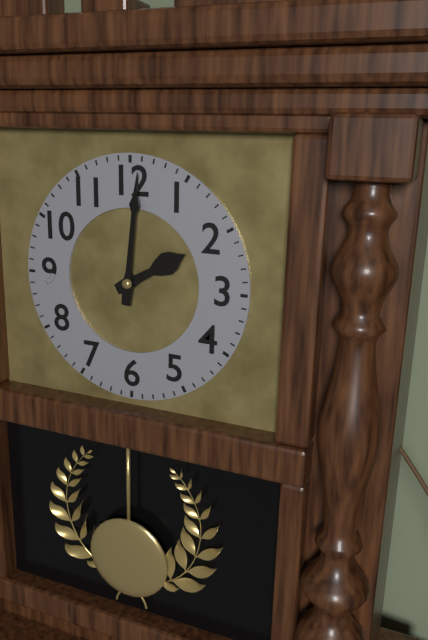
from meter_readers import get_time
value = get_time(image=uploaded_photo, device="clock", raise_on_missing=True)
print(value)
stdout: 2:01
